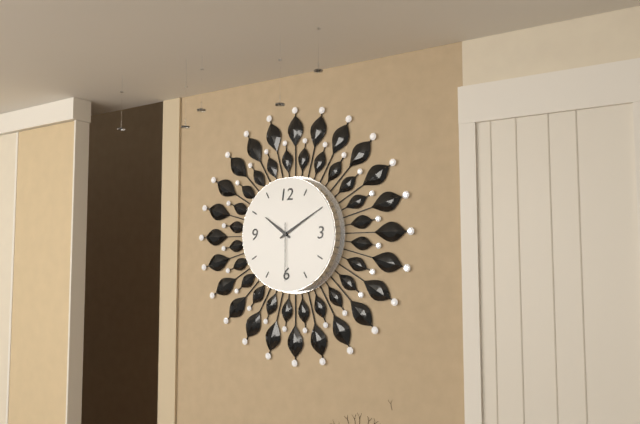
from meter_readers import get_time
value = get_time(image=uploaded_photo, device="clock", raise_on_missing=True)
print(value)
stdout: 10:10:30
